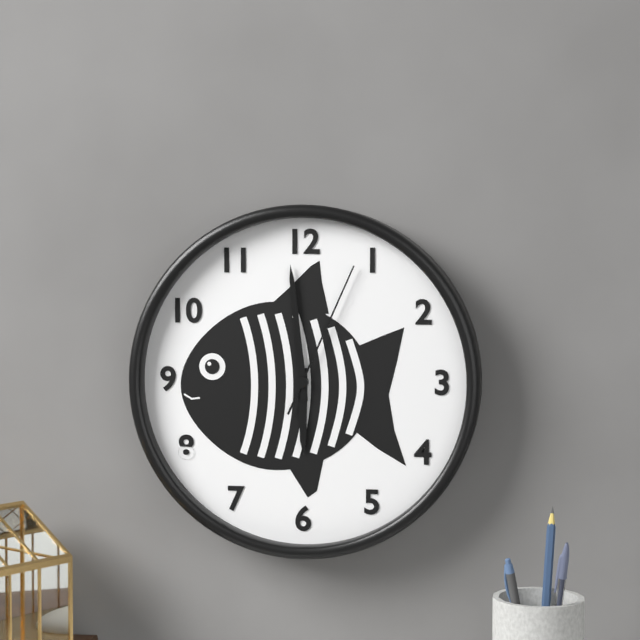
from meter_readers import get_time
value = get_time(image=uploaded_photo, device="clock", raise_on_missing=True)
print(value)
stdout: 5:59:04
